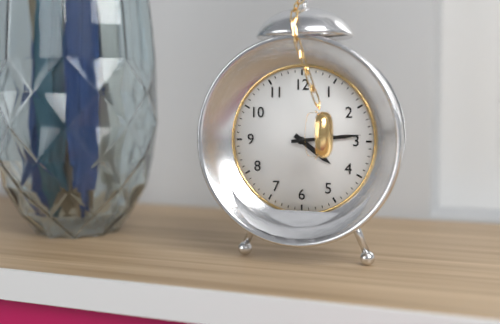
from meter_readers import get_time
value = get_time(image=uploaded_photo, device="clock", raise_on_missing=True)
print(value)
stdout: 4:14
